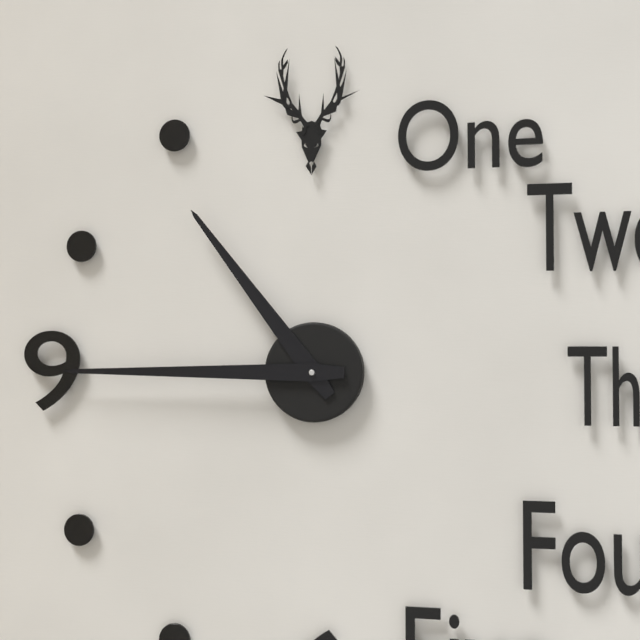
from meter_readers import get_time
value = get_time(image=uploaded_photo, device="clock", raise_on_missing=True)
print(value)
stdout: 10:45
